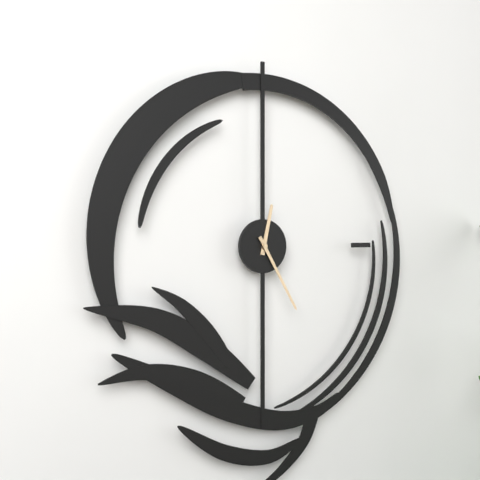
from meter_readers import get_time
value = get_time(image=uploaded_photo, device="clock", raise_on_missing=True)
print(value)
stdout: 12:25
